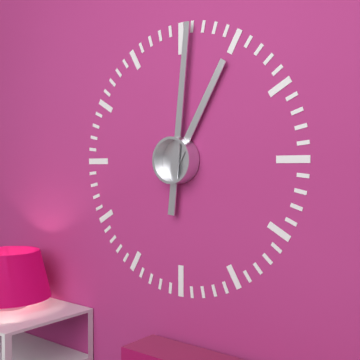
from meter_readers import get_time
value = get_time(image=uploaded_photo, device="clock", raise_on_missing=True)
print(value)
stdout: 1:01
